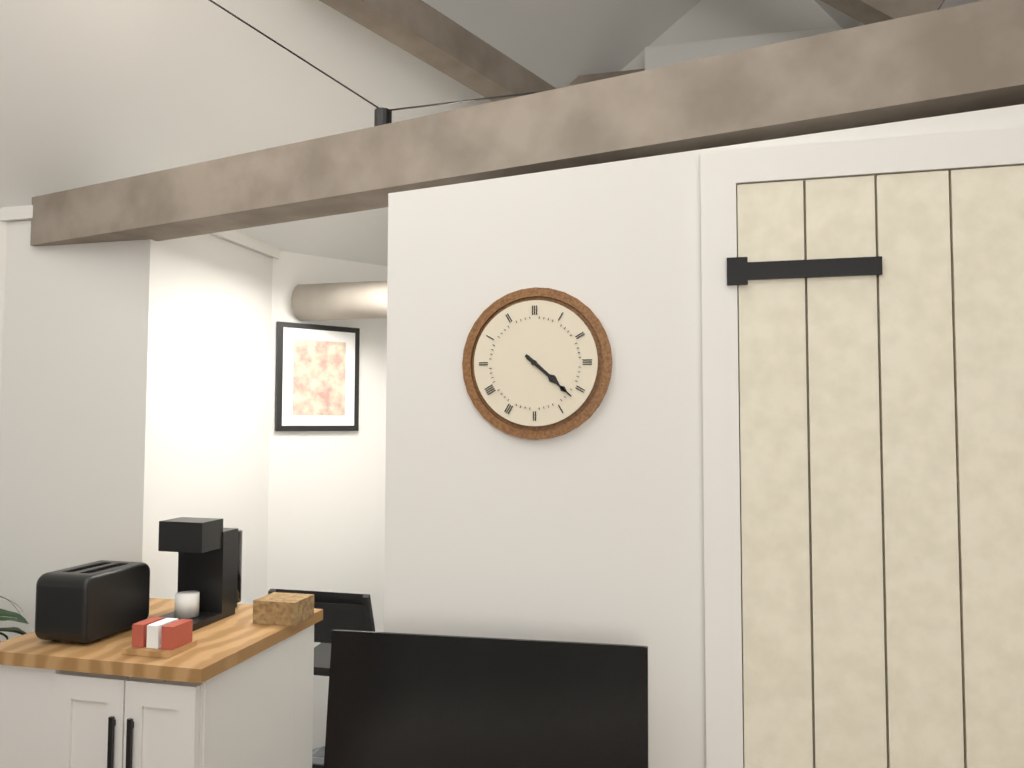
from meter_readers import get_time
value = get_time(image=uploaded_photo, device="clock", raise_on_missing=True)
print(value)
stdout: 4:22
